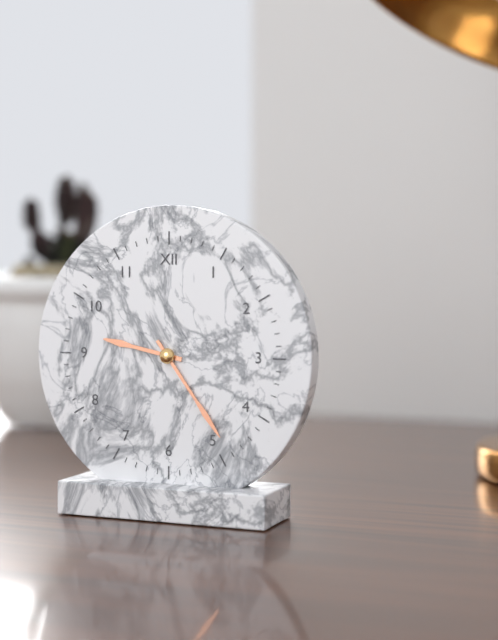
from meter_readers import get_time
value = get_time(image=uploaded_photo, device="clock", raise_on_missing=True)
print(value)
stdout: 9:24
